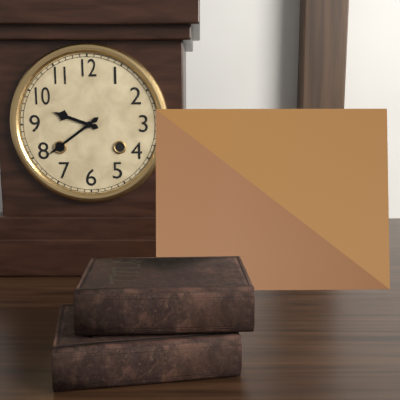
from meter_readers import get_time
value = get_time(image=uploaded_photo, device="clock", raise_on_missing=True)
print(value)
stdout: 9:39
